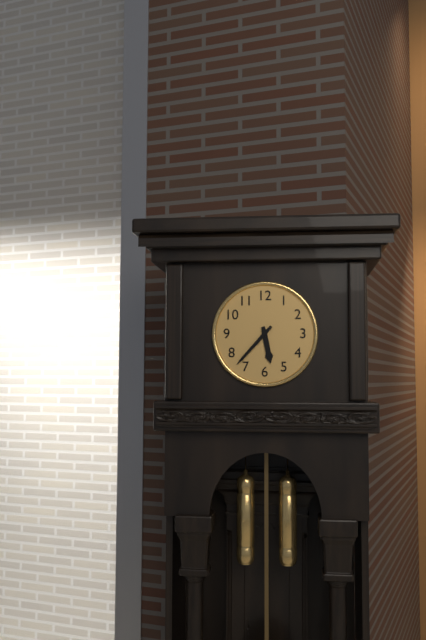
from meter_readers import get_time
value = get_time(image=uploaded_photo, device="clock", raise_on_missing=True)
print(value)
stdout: 5:37
